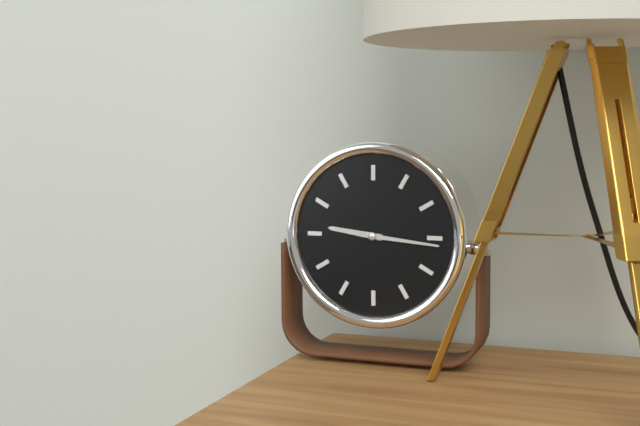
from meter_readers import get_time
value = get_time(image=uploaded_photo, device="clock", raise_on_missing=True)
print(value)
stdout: 9:16
